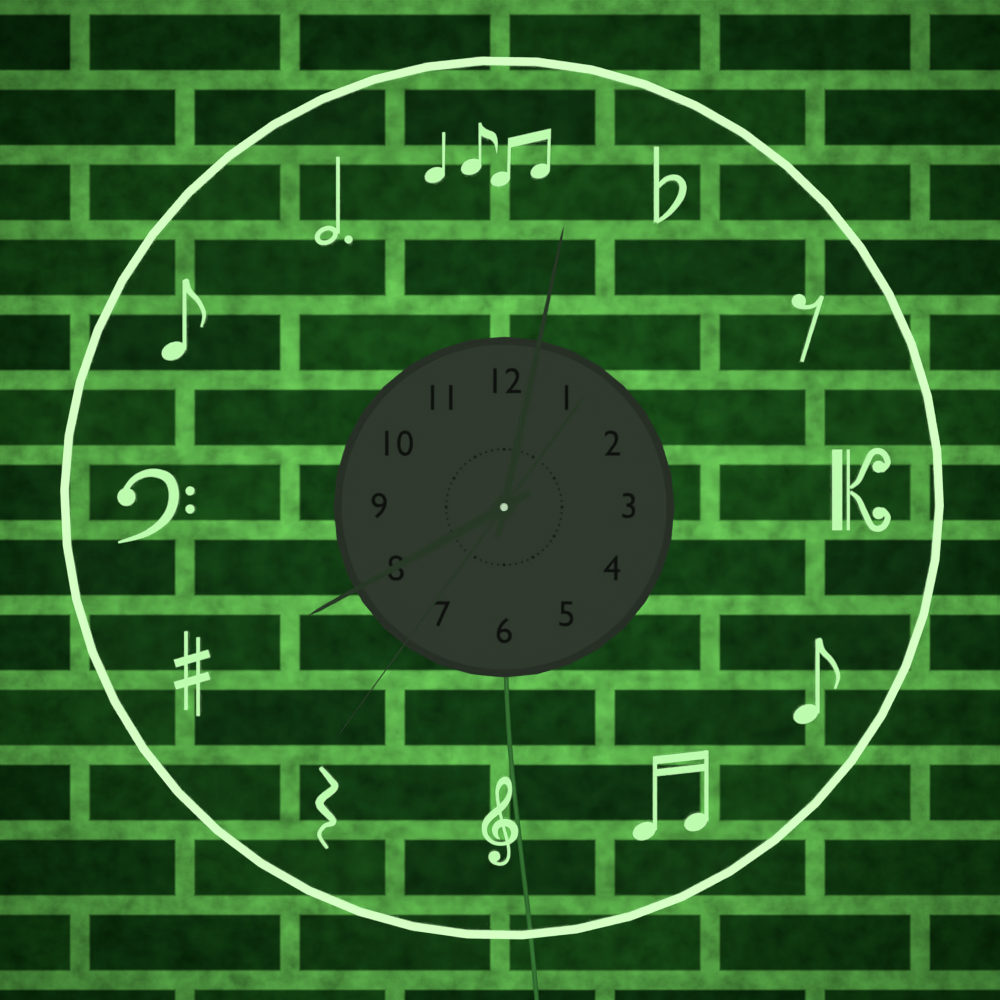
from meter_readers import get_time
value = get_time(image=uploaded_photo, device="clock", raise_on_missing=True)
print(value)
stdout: 8:02:36
